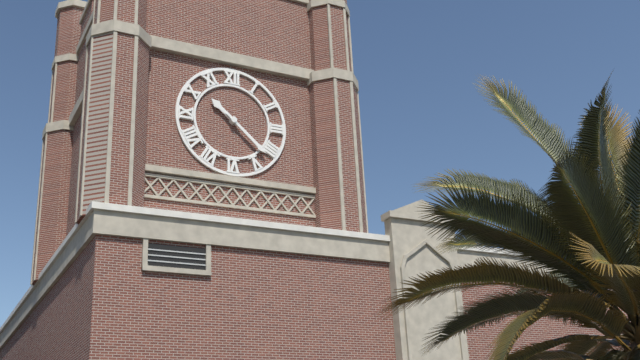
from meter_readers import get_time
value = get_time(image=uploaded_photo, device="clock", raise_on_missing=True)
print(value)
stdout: 10:22
